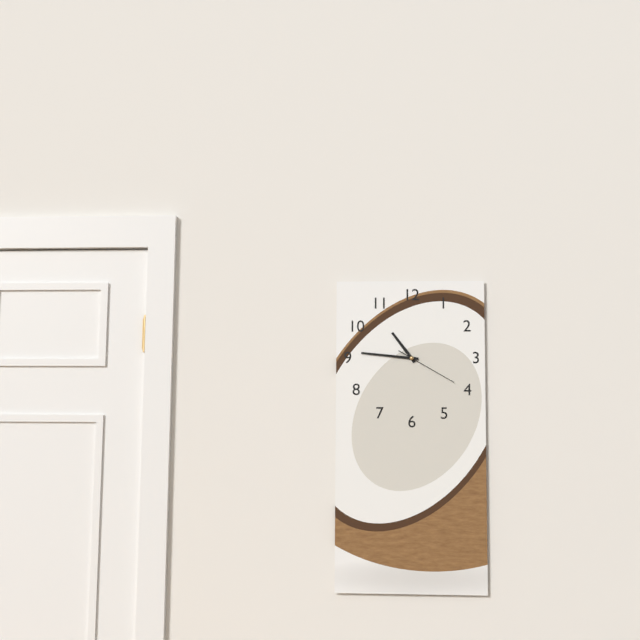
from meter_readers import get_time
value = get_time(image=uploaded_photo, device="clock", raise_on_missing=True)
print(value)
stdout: 10:46:20
